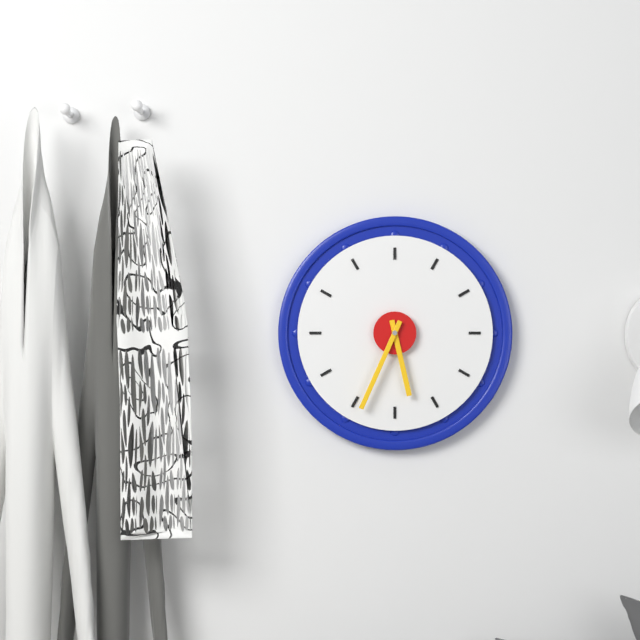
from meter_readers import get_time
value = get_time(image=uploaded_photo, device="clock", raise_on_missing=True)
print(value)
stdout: 5:34
